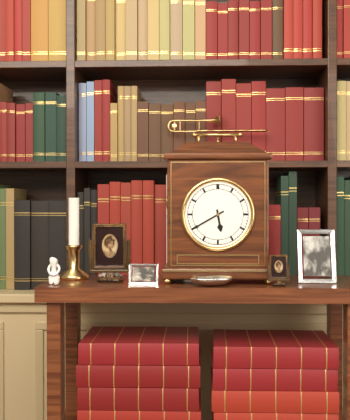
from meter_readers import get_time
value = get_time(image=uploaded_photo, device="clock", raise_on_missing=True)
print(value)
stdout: 5:40
